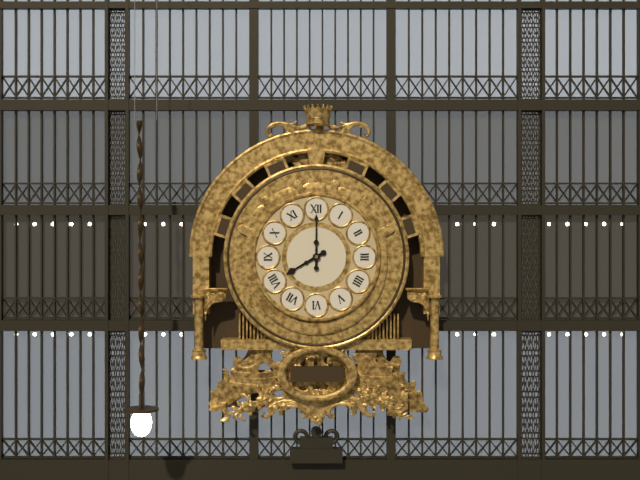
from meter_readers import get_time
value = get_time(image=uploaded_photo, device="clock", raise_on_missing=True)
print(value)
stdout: 8:00
